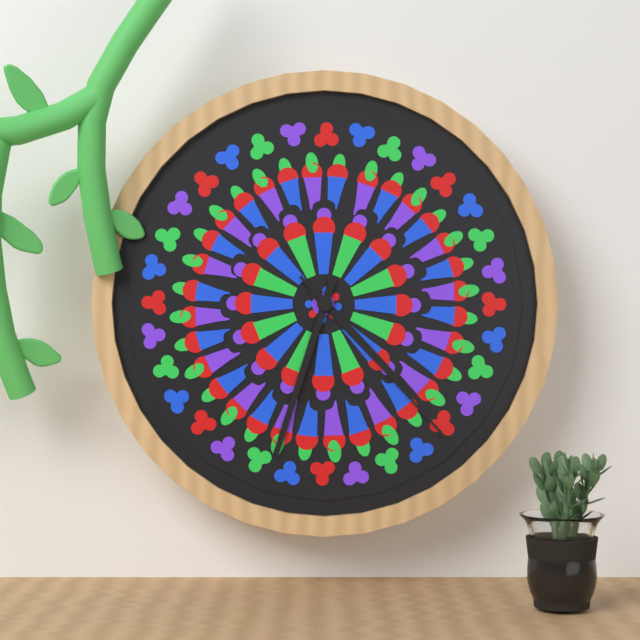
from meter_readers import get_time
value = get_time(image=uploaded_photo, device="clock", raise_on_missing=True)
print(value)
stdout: 4:33:23
